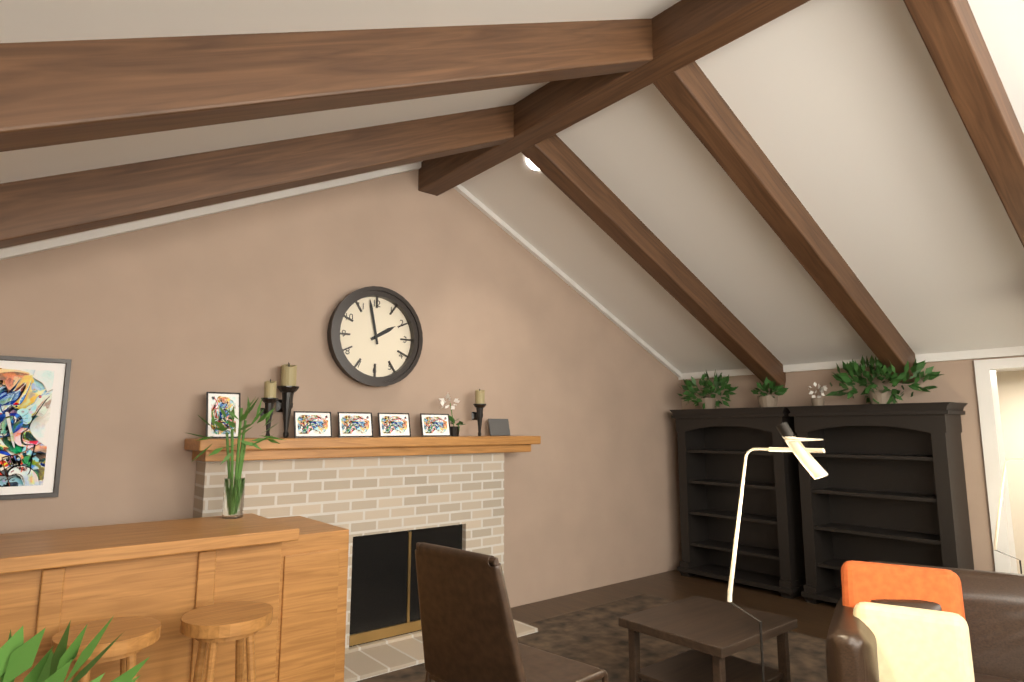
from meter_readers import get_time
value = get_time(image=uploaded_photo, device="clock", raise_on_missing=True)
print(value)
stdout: 1:58
